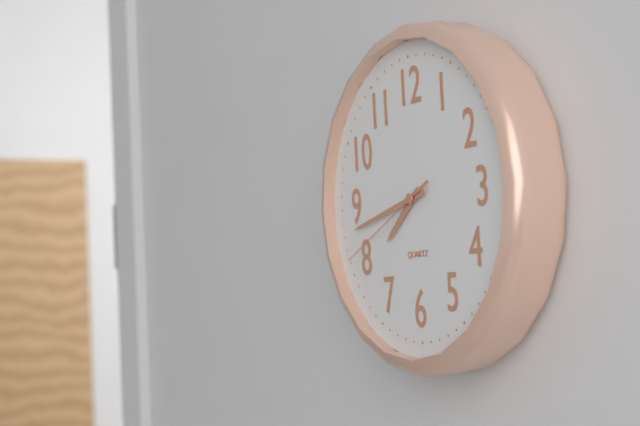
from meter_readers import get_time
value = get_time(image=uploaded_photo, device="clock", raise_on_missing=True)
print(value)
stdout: 7:43:41
